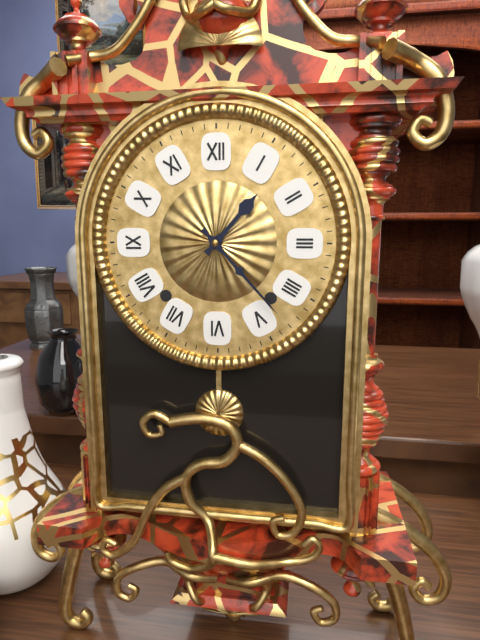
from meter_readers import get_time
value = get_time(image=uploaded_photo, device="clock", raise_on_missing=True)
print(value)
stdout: 1:23
